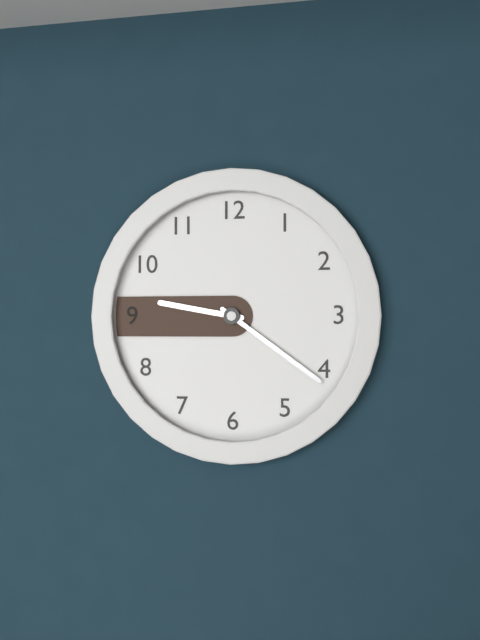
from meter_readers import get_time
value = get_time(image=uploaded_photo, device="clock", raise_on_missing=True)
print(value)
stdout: 9:21
